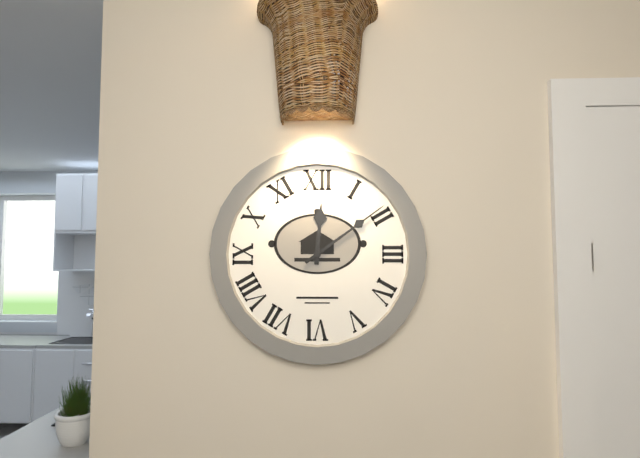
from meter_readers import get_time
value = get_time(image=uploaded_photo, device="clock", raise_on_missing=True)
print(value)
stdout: 12:09
